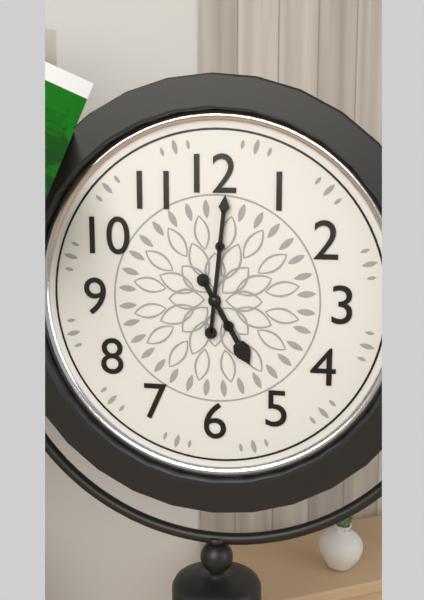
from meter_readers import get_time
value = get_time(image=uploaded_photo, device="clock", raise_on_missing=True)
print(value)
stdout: 5:01
